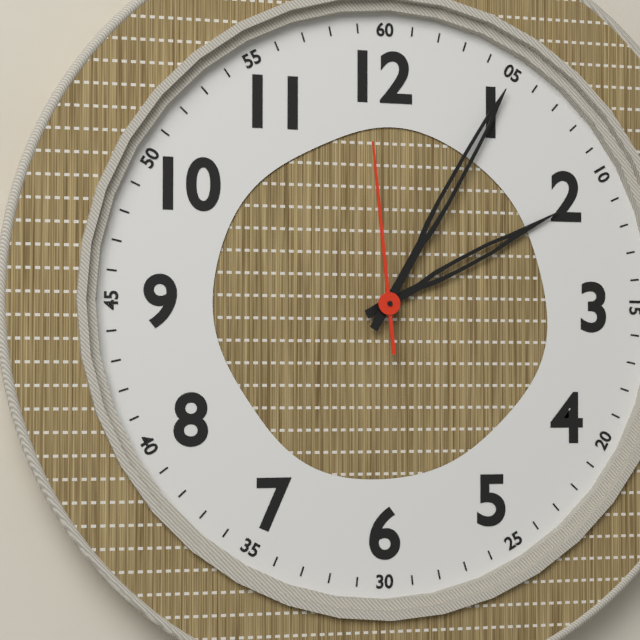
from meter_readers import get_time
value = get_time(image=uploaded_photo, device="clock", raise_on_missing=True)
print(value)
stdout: 2:05:59
